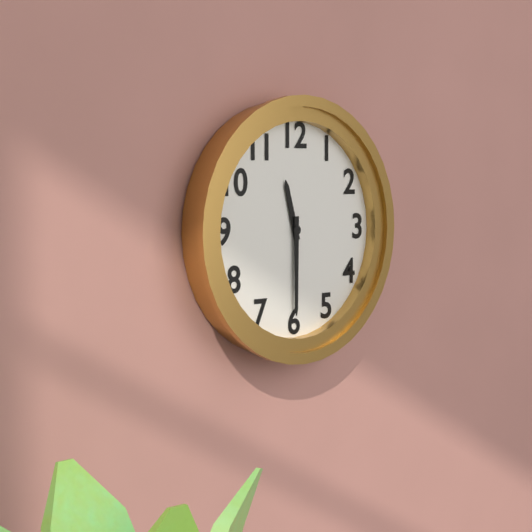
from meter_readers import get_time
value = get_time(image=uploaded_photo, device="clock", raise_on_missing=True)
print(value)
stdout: 11:30
